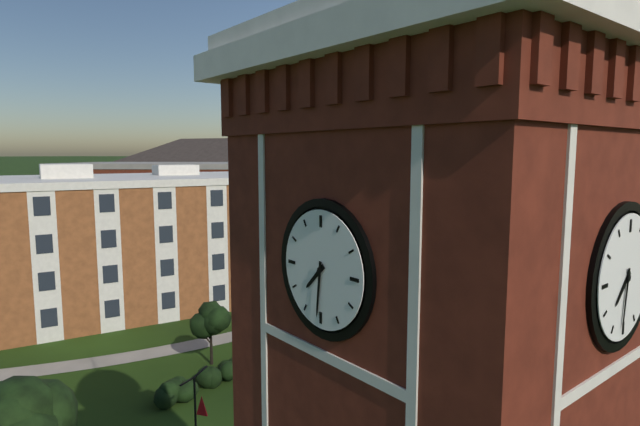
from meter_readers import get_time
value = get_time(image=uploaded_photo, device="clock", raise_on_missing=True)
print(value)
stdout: 7:31
